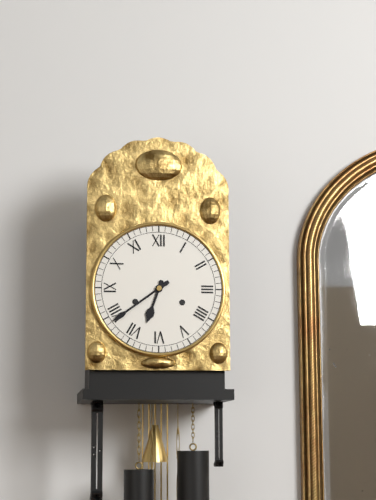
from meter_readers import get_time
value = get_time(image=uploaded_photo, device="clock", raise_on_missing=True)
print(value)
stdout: 6:39
